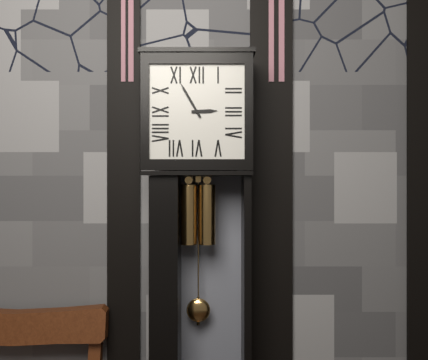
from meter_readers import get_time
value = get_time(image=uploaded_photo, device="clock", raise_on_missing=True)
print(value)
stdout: 2:55
